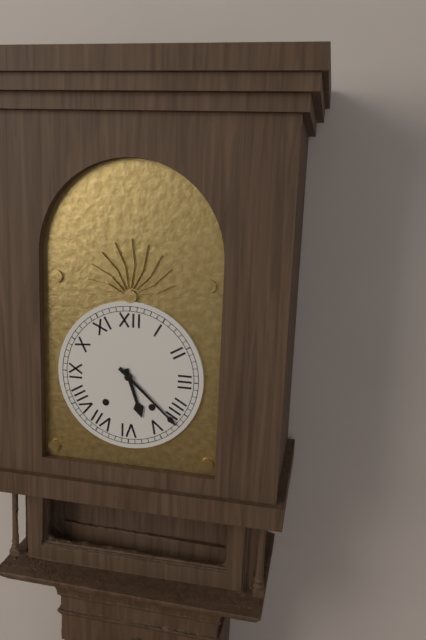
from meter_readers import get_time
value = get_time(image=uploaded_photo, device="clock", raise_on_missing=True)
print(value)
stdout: 5:22
